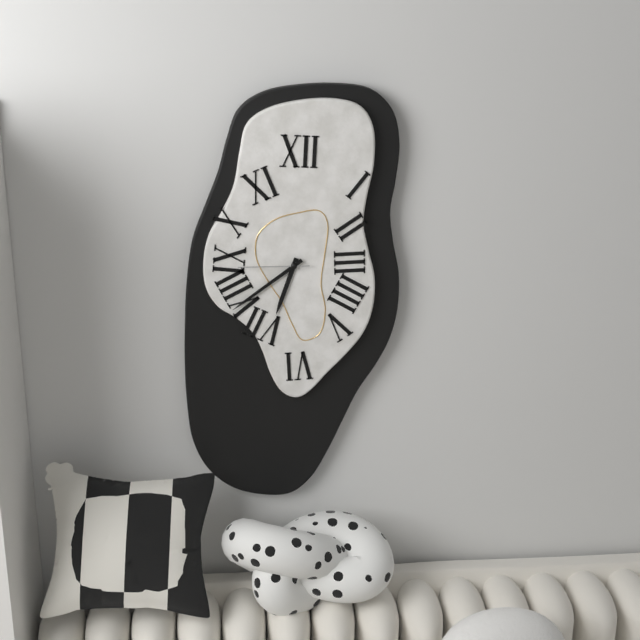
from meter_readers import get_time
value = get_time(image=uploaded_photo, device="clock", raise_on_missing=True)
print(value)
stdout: 6:39:45
